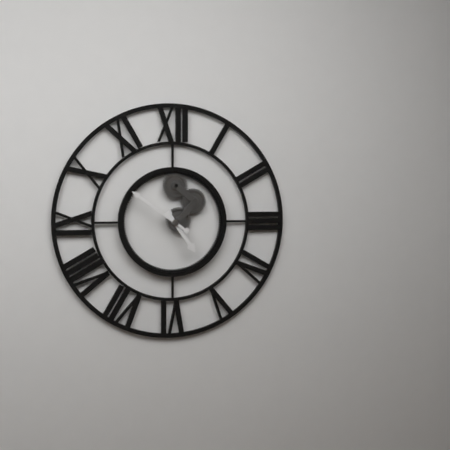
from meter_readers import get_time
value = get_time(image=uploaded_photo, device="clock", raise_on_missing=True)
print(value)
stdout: 4:51
